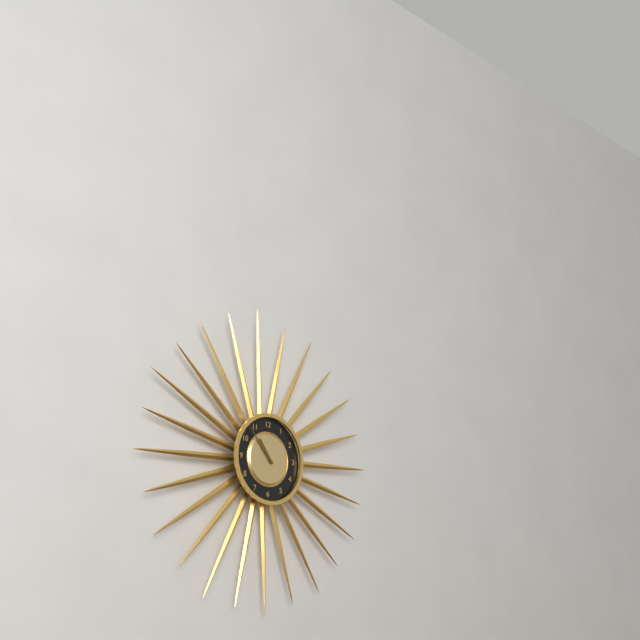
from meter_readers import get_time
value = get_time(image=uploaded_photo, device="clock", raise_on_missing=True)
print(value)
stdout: 10:53
